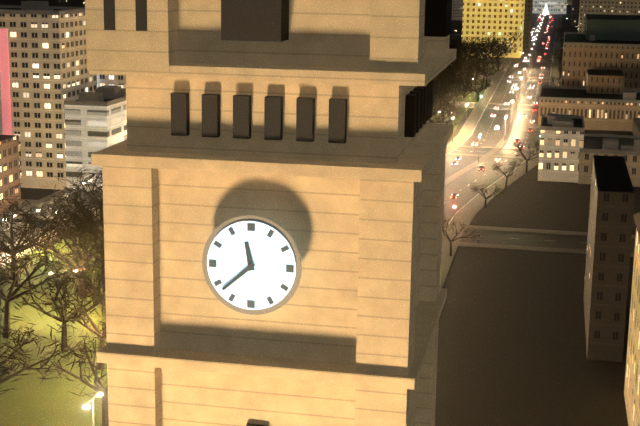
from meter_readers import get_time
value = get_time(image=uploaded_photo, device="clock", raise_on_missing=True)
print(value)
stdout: 11:38
